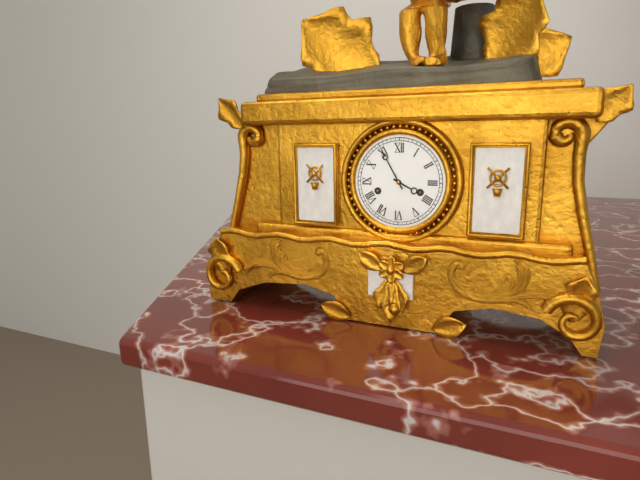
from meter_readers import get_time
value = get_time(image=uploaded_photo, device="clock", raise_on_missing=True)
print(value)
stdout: 3:55
